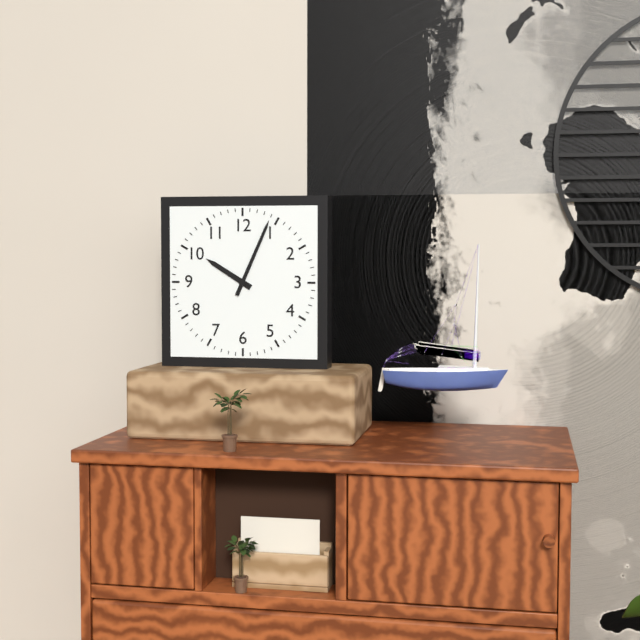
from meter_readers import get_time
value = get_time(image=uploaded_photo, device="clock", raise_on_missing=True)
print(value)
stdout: 10:04
